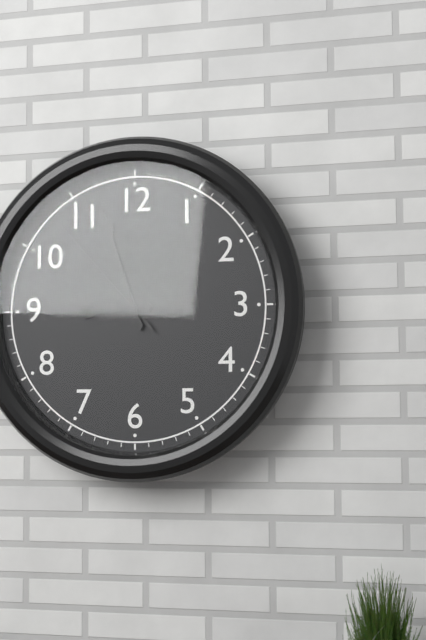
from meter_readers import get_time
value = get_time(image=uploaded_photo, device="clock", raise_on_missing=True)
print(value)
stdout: 8:57:53
